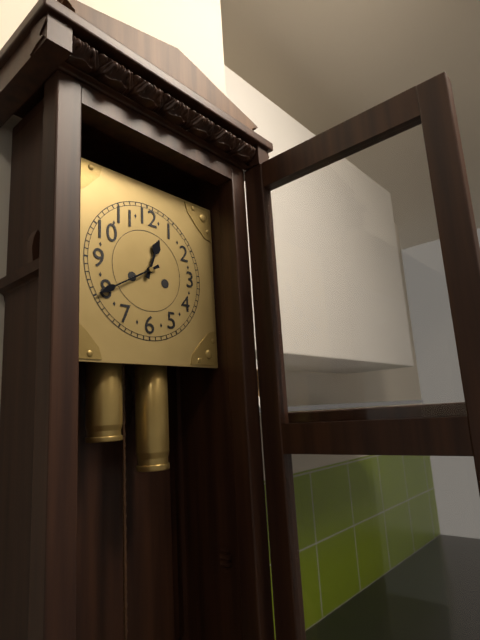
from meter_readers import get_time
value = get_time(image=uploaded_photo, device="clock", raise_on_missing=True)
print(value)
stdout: 12:40
